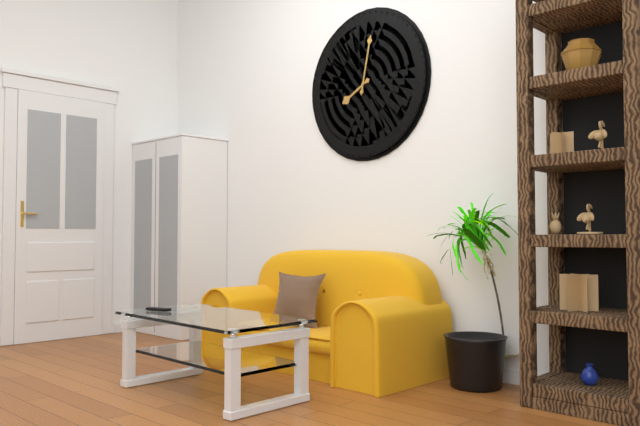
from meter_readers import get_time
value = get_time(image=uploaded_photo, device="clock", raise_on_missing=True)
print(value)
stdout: 8:02
